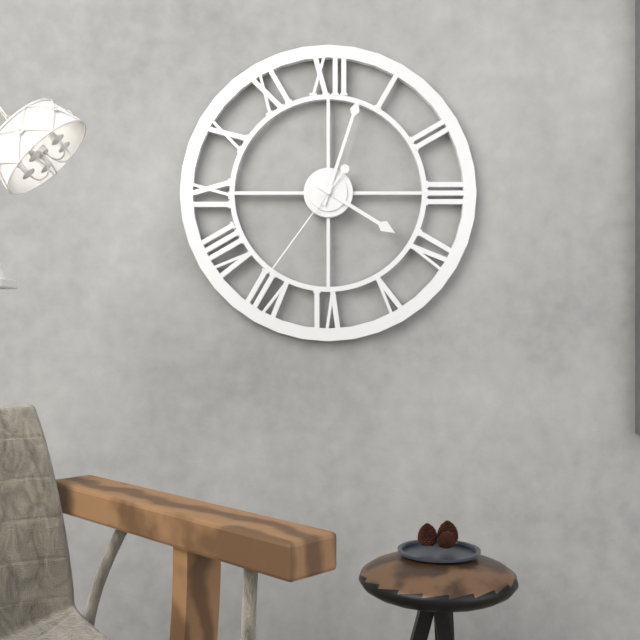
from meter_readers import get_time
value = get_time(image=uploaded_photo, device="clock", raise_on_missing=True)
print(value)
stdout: 4:03:36
